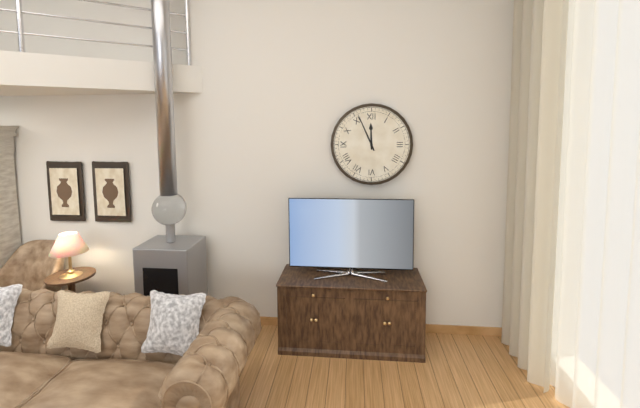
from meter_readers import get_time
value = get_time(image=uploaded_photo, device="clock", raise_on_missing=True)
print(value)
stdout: 11:56
